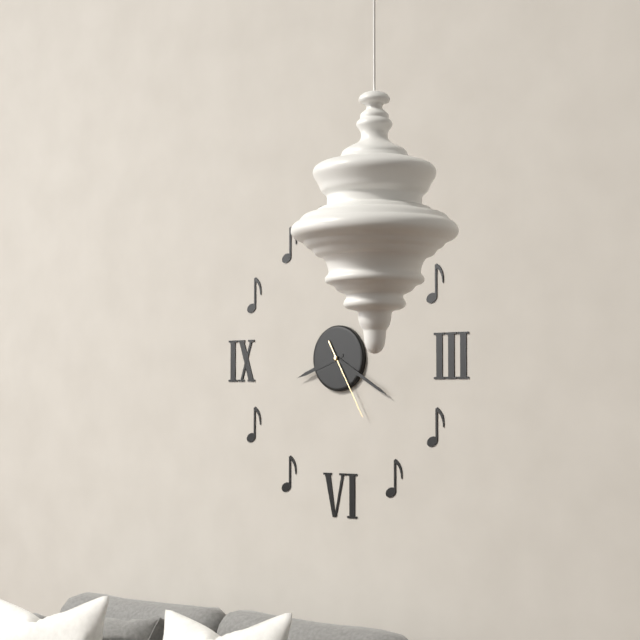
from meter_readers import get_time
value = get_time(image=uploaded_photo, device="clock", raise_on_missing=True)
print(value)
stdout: 8:20:25
